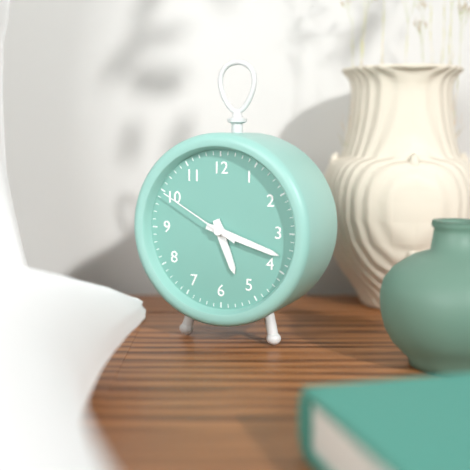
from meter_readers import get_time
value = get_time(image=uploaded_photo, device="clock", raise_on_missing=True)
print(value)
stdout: 5:18:50
